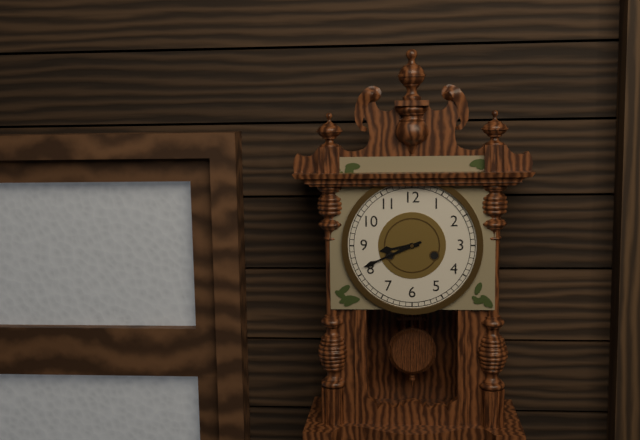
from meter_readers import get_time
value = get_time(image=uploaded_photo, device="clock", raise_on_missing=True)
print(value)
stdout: 8:41
